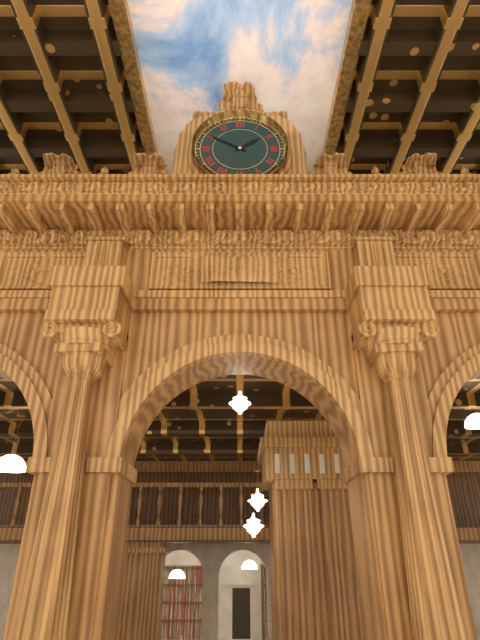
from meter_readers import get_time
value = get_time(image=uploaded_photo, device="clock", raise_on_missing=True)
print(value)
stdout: 1:50
